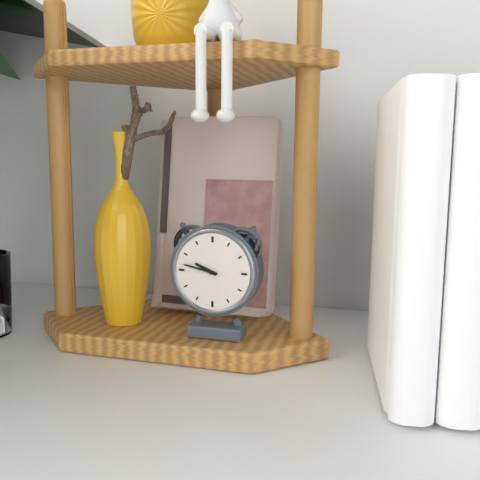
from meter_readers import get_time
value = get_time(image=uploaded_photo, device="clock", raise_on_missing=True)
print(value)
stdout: 9:47
